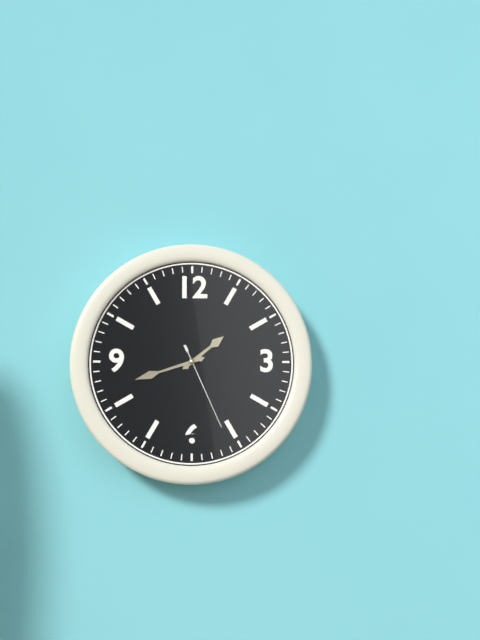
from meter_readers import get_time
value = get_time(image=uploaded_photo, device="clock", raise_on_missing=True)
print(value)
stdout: 1:42:26
